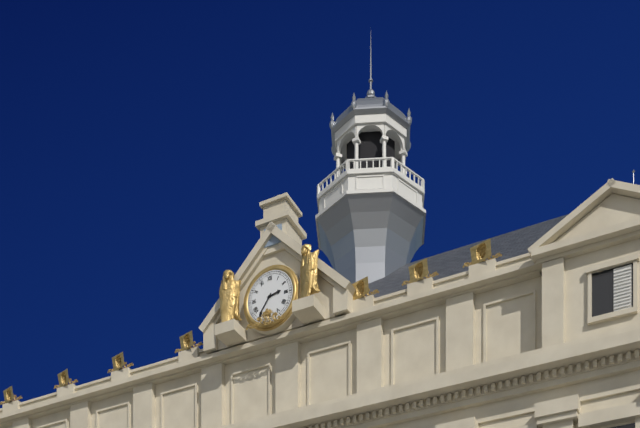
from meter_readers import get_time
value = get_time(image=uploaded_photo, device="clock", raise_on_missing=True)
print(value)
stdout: 2:36
